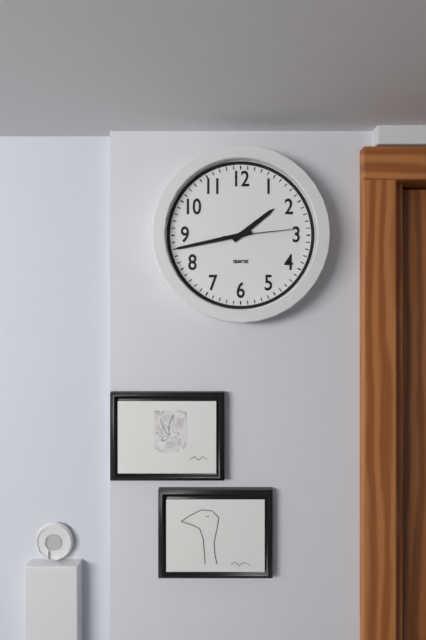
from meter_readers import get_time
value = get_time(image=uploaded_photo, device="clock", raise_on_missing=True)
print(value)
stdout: 1:43:14
